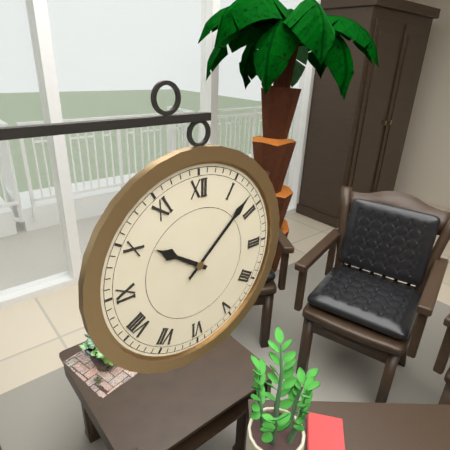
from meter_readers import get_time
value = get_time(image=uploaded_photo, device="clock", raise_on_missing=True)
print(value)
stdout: 10:08
